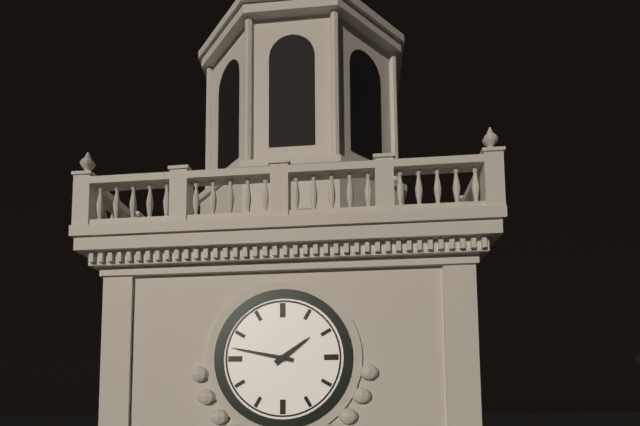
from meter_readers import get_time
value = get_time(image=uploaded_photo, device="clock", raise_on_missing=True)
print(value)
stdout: 1:47
